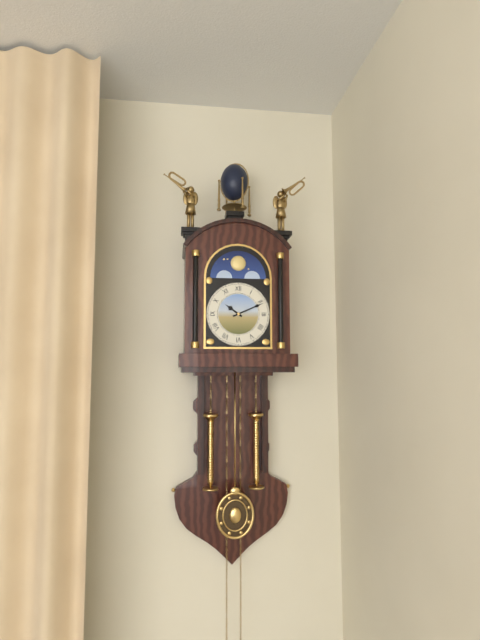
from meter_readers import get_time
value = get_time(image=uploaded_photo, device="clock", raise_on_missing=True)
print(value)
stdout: 10:11
